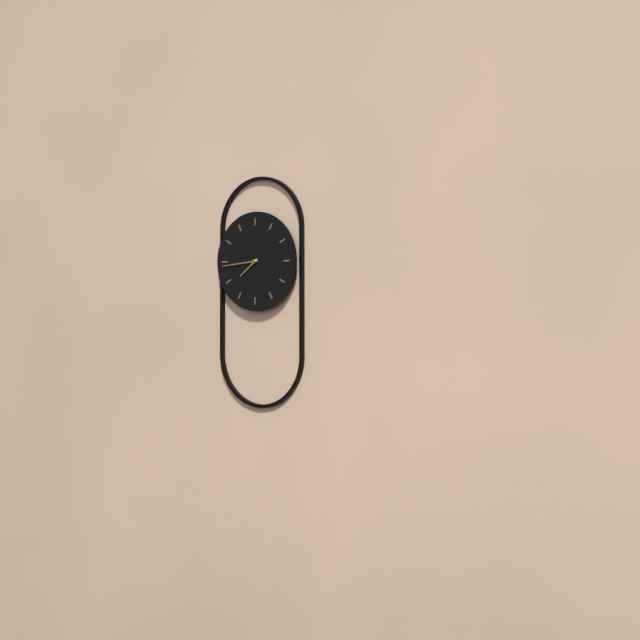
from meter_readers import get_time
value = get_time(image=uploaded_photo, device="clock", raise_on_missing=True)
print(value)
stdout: 7:44
